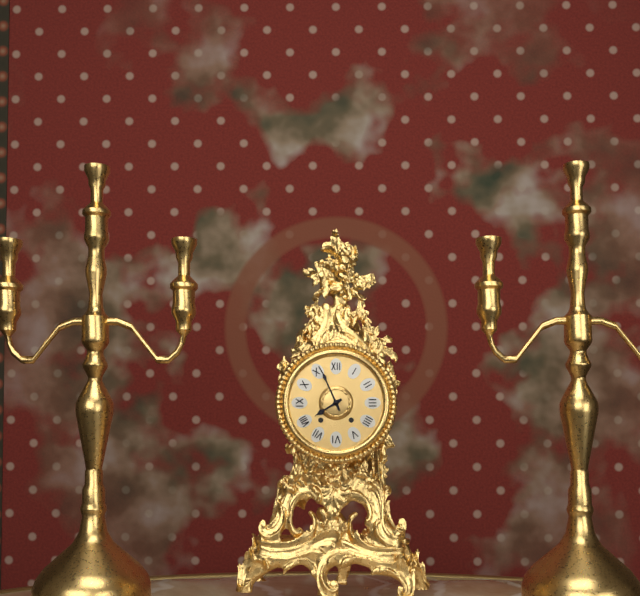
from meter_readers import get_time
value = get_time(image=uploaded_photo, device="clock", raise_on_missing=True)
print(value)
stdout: 7:56
